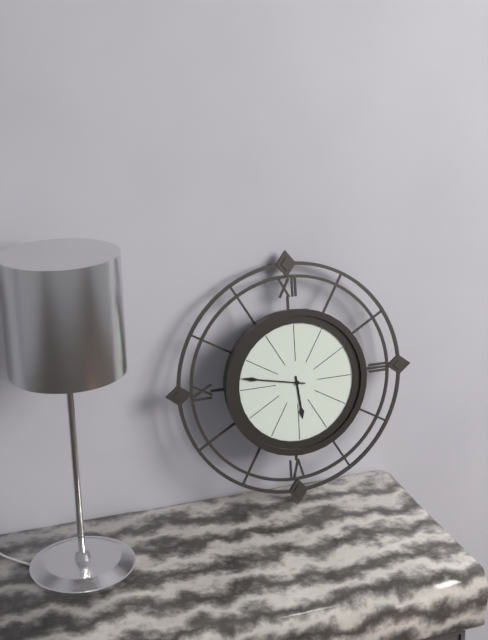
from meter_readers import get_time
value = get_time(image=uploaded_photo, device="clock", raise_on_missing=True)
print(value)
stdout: 5:47
